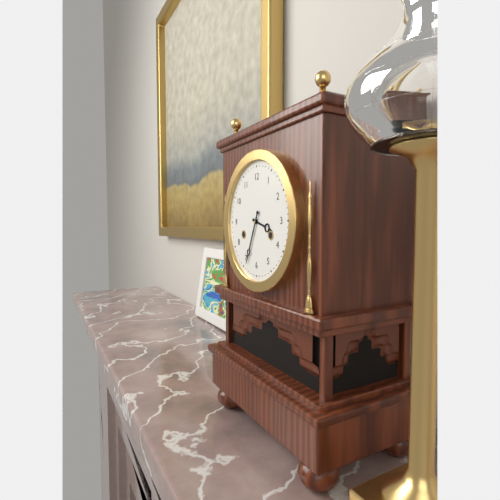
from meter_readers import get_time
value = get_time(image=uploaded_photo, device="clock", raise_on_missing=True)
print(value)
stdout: 3:34
